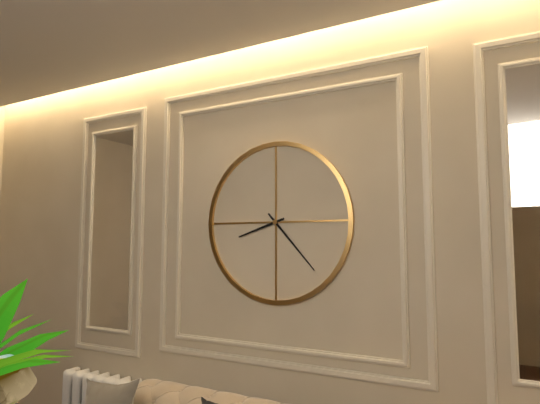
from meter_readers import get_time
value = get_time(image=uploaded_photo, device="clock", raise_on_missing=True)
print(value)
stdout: 8:23
